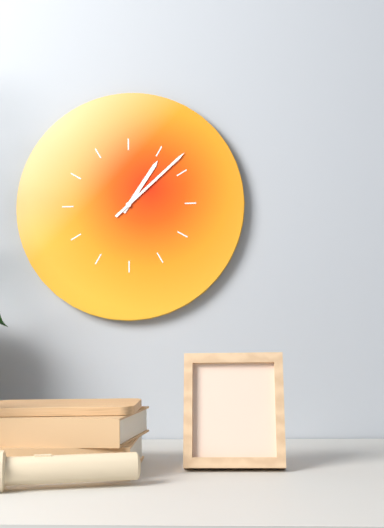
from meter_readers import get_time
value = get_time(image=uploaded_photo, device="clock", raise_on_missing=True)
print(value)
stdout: 1:08
